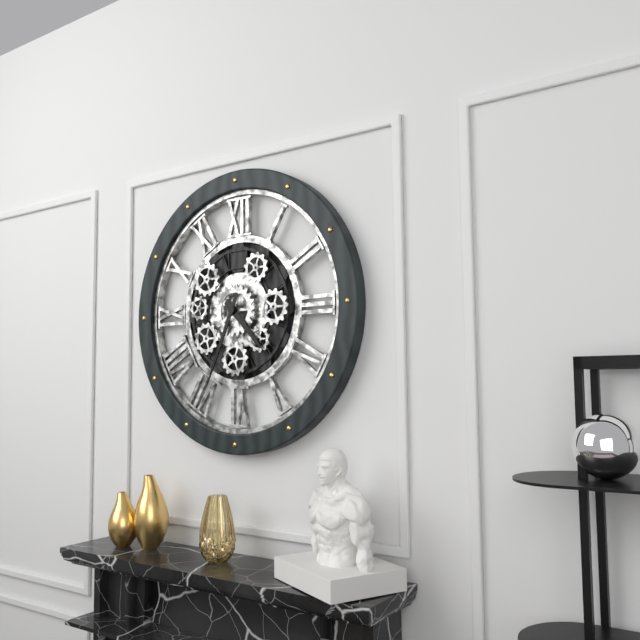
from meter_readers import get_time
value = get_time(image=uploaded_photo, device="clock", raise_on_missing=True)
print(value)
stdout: 4:34
